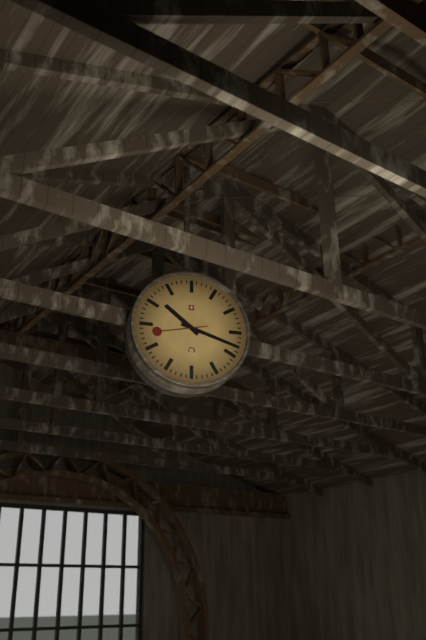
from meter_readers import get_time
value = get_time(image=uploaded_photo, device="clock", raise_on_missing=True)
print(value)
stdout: 10:18
